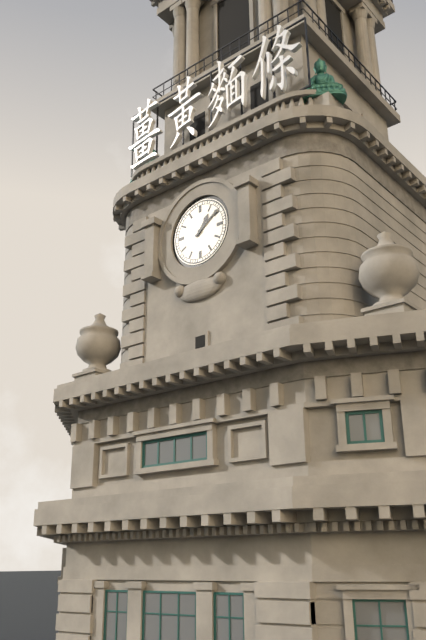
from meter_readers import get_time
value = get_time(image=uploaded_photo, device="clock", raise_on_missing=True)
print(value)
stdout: 1:09
